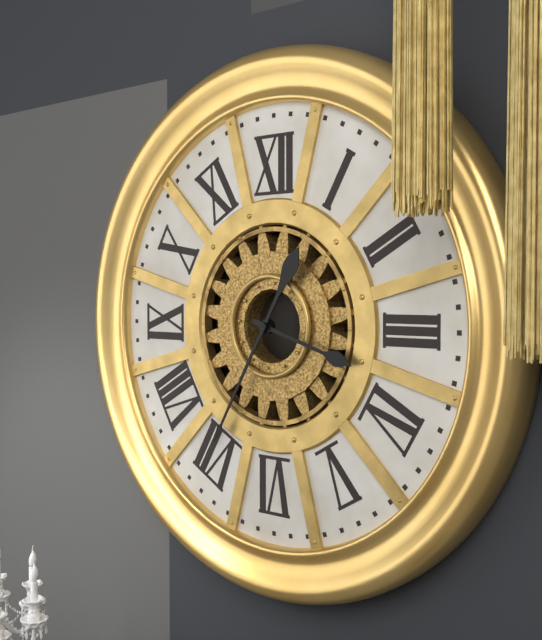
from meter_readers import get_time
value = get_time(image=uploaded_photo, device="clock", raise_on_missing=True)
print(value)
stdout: 3:35
